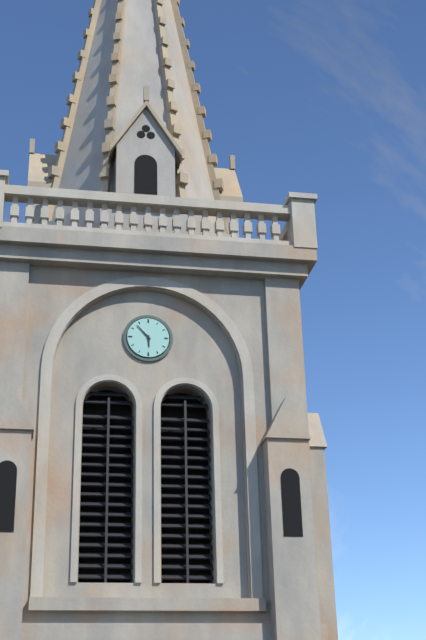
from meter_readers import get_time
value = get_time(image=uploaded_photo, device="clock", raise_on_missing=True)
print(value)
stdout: 5:53
